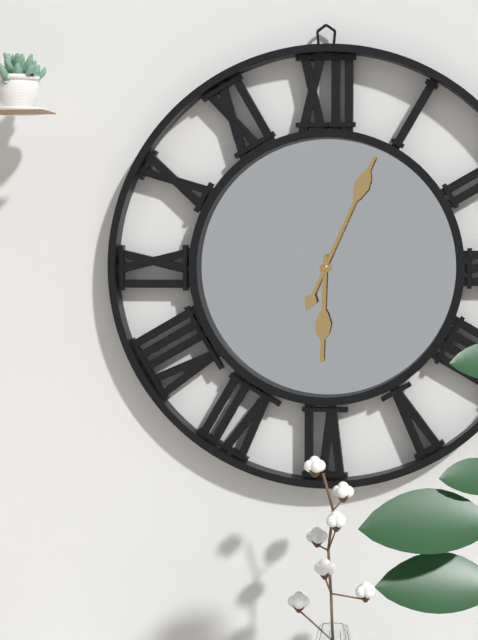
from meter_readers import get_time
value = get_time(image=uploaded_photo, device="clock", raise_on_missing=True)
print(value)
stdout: 6:04
